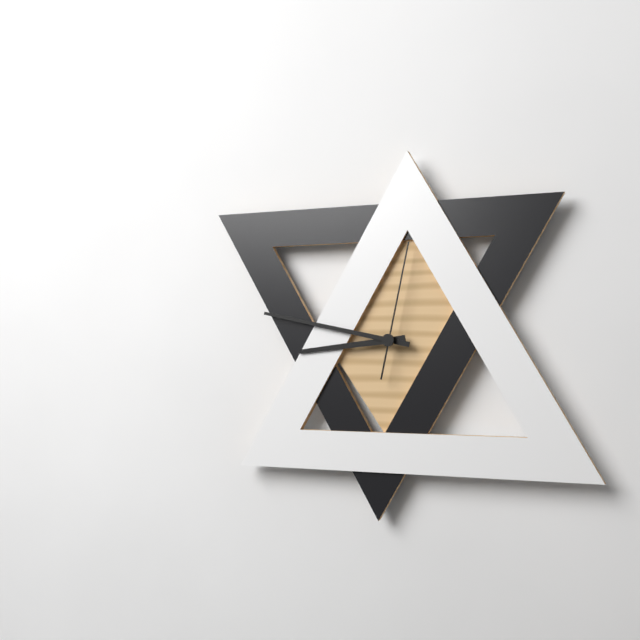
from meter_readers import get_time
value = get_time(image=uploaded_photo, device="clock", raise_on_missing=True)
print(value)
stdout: 8:47:02
